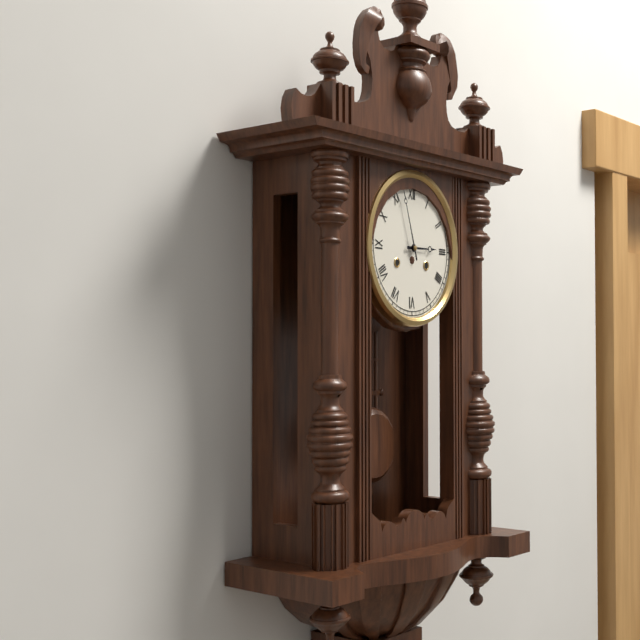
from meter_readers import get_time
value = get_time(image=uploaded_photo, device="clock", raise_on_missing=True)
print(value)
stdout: 2:57
